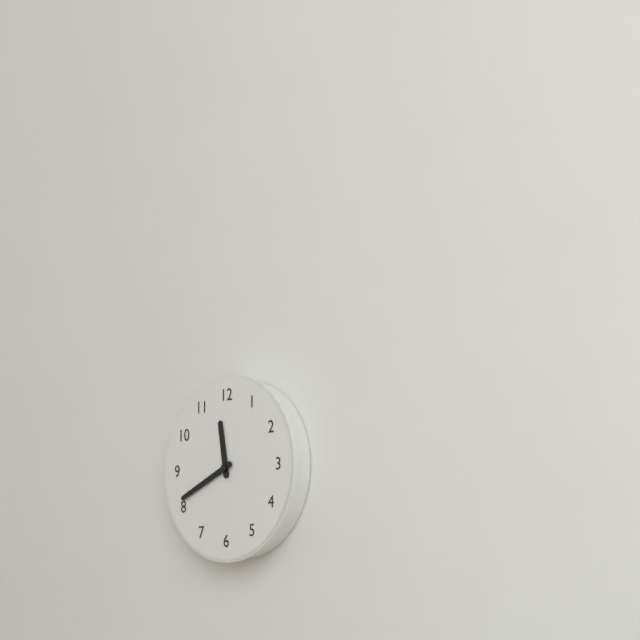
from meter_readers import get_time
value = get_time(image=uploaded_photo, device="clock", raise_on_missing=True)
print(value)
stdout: 11:41
